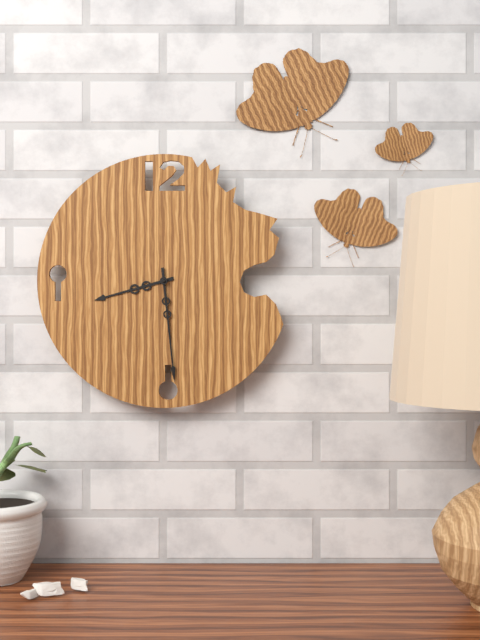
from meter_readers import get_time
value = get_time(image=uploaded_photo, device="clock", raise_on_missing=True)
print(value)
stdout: 8:29
